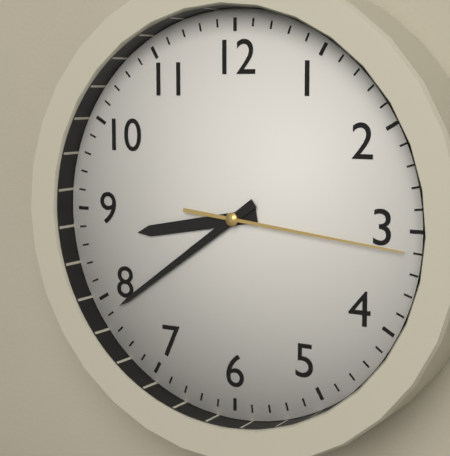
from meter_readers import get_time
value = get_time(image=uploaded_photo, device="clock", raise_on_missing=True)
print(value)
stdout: 8:39:16
